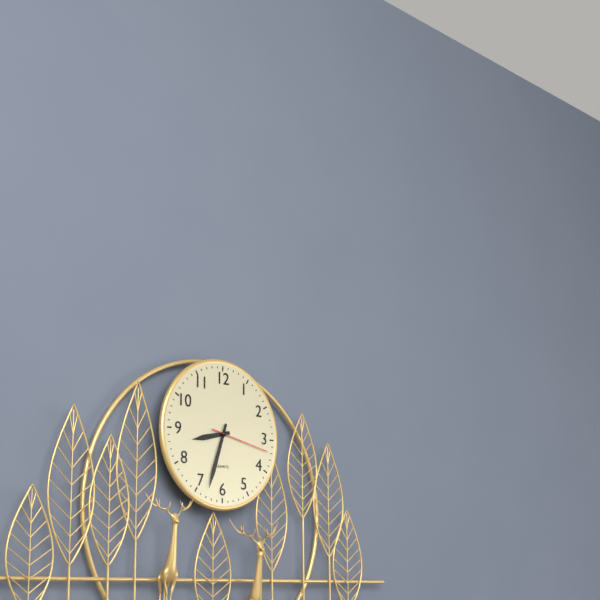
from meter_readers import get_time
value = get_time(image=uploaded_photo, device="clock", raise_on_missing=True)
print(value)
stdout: 8:33:17
